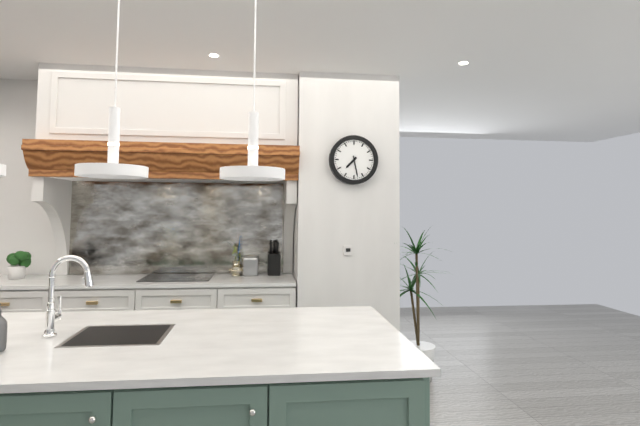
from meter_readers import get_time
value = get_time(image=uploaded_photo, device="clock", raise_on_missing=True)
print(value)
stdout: 7:28
